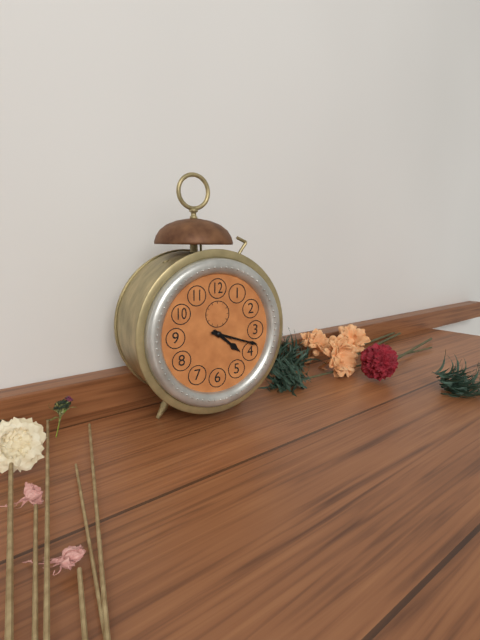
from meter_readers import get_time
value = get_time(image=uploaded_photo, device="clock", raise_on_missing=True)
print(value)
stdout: 4:18
